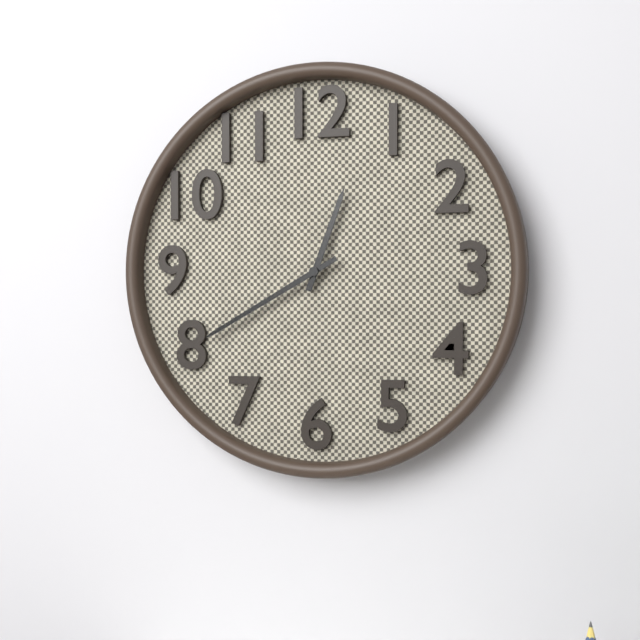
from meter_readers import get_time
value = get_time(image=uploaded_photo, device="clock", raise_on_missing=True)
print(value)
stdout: 12:40
